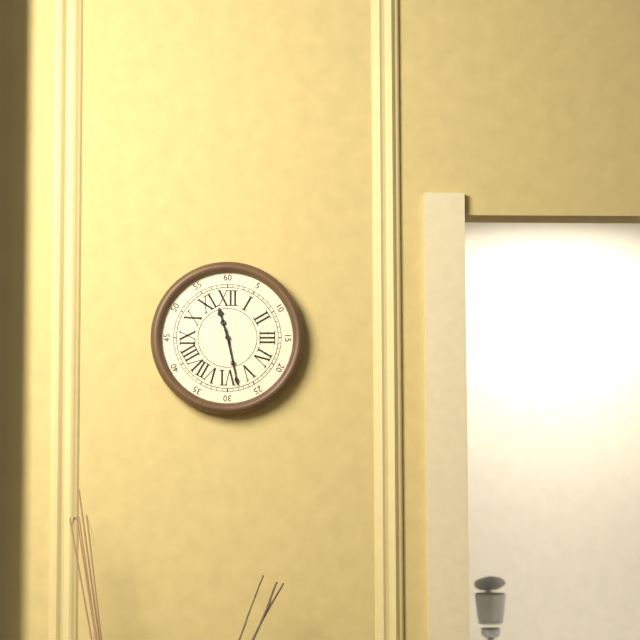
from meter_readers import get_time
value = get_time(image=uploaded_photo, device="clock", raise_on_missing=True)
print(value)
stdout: 11:28
